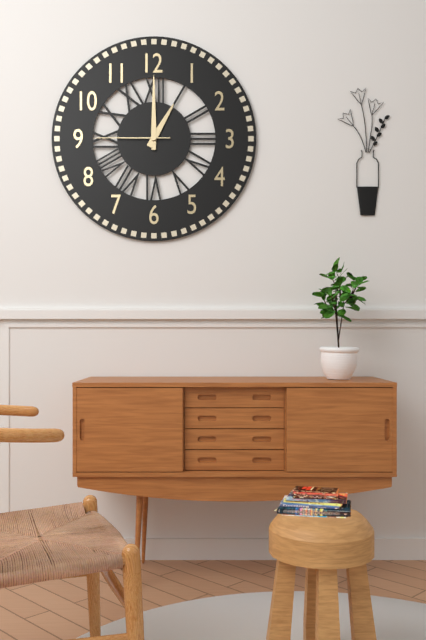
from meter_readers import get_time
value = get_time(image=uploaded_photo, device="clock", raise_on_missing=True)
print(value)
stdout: 1:00:45
